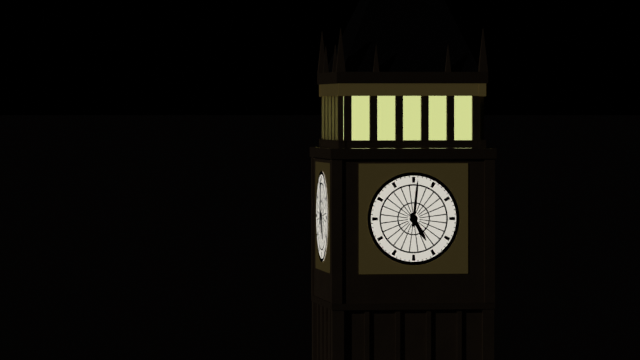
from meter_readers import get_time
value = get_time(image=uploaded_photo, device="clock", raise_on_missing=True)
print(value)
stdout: 5:01
